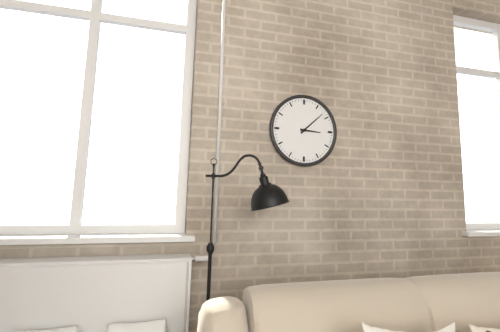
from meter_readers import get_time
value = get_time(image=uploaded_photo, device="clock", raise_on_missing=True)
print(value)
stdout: 3:08
